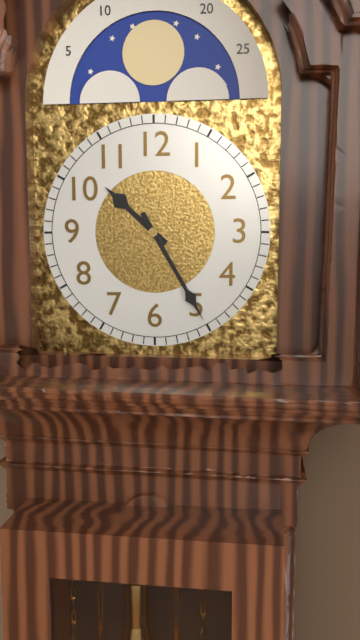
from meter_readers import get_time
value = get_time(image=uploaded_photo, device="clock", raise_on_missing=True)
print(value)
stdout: 10:25
